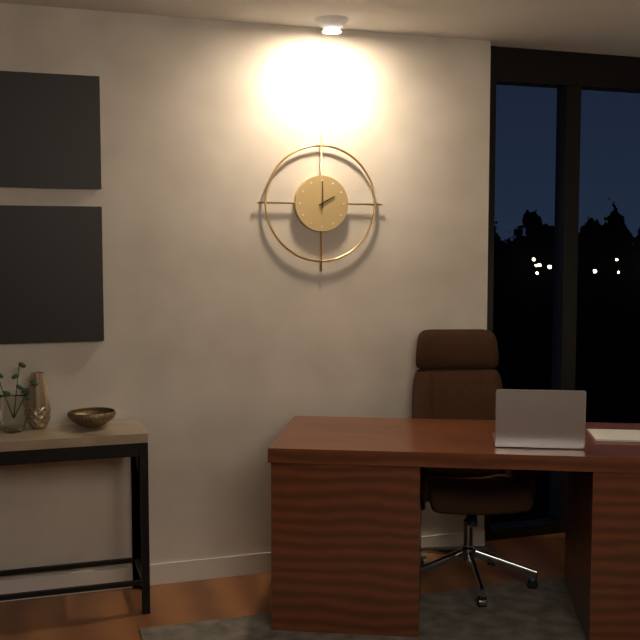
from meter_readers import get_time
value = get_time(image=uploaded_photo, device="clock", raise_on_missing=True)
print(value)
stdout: 2:00
